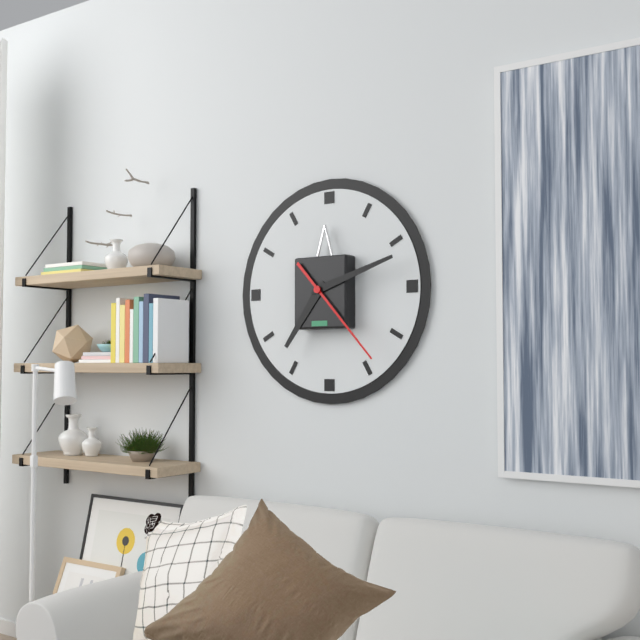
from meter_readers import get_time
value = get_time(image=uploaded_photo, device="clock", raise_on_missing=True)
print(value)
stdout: 7:12:23
